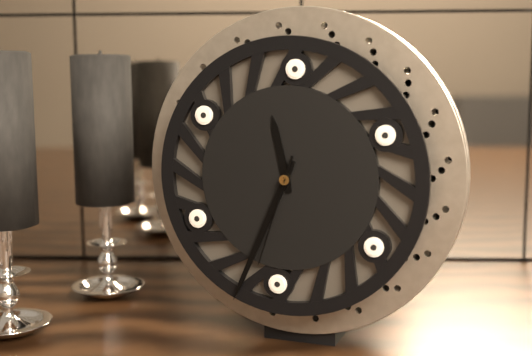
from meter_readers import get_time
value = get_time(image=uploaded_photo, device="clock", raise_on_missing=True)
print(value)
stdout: 11:34:33
